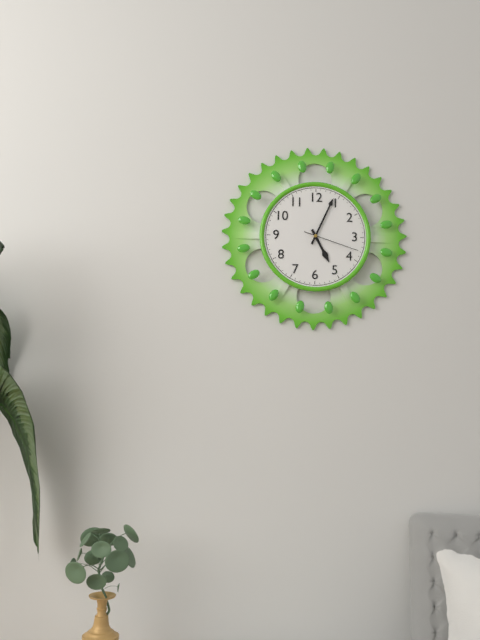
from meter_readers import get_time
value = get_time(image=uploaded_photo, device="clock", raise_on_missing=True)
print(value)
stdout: 5:04:18
